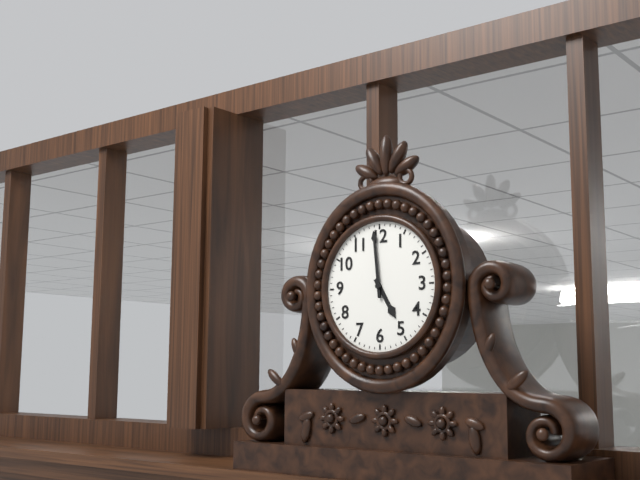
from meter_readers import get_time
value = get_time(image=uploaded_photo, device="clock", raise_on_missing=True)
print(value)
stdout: 4:59
